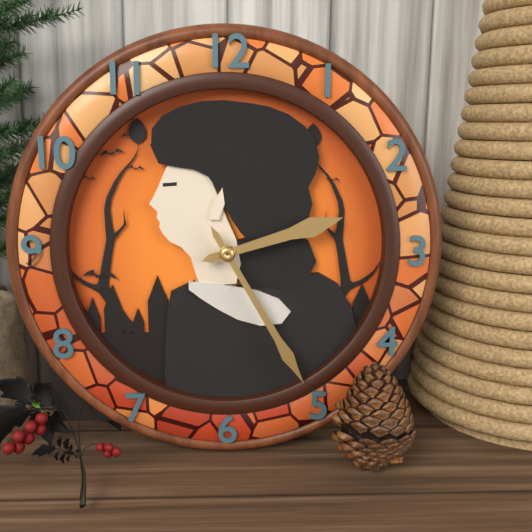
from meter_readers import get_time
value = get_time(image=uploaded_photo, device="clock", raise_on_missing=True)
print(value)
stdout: 2:25
